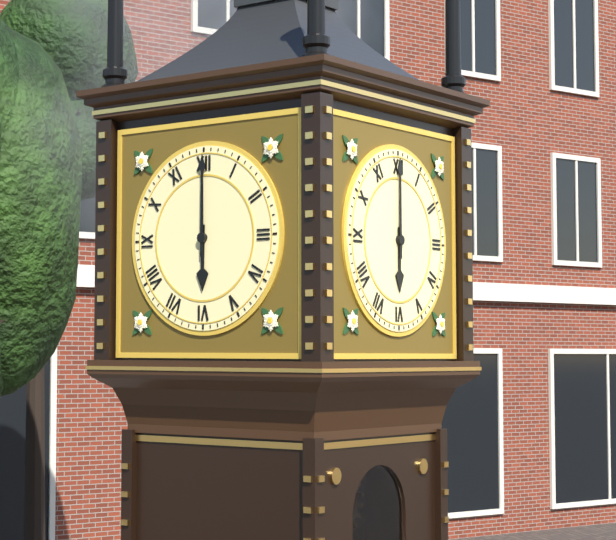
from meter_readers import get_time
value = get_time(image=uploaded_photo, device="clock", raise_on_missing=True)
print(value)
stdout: 6:00
